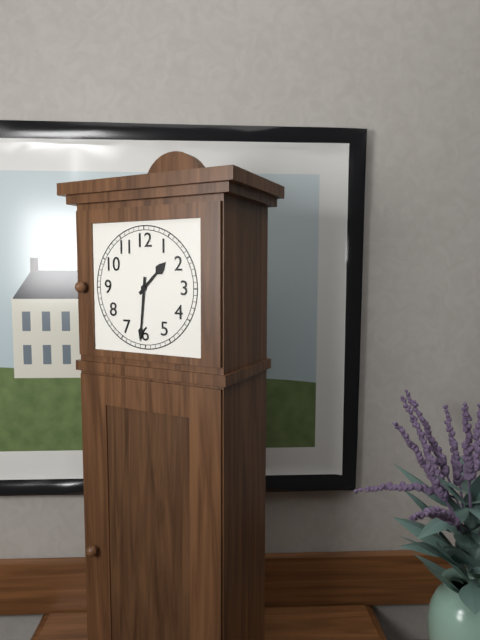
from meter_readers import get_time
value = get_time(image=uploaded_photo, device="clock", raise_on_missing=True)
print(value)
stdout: 1:31
